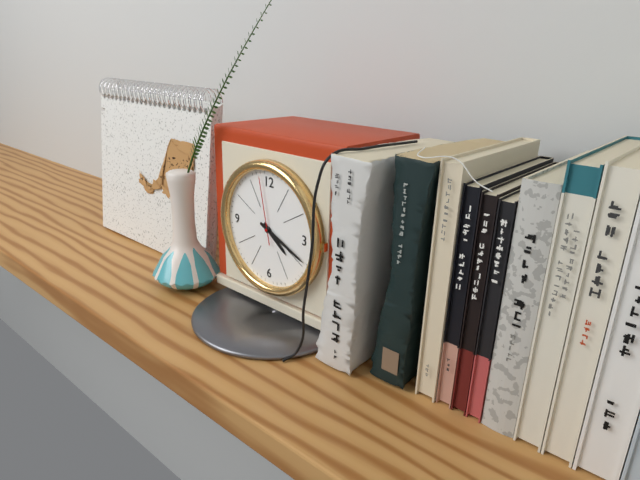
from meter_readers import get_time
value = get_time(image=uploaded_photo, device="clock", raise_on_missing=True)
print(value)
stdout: 4:19:58
